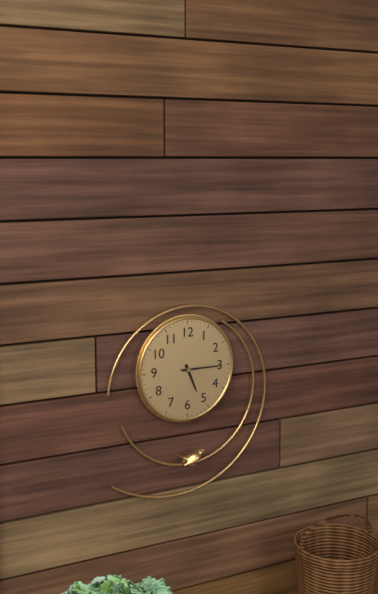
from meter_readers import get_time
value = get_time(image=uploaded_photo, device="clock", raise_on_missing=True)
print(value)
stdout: 5:15
